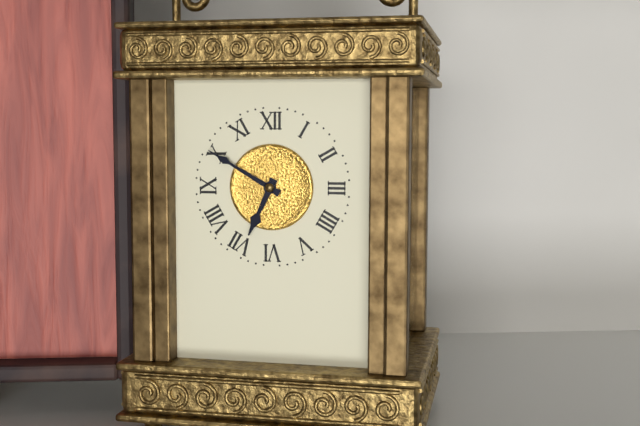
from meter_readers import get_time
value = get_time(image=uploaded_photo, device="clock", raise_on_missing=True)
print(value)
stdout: 6:50
